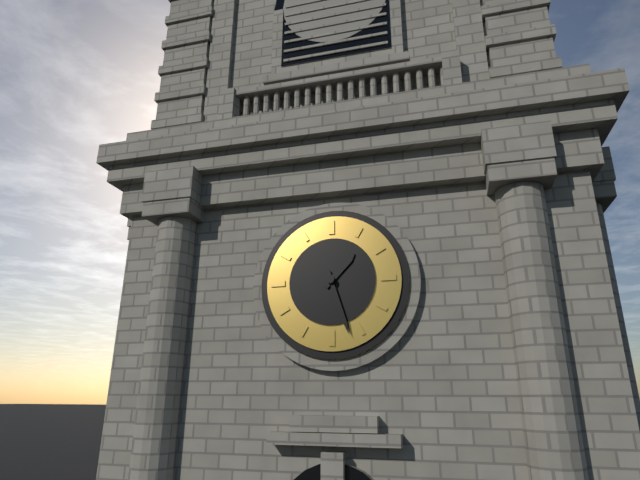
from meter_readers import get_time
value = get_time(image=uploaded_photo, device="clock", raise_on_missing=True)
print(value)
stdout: 1:27
